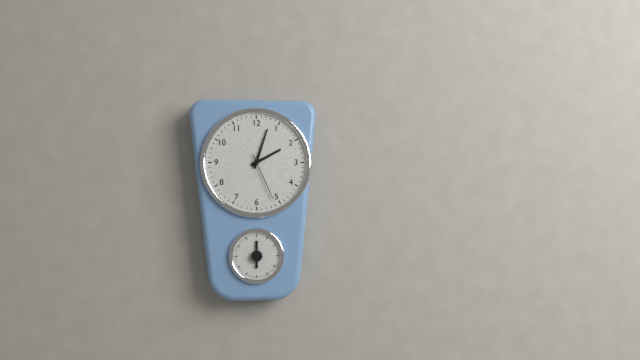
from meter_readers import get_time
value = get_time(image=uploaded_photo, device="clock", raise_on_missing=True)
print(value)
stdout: 2:03:26
